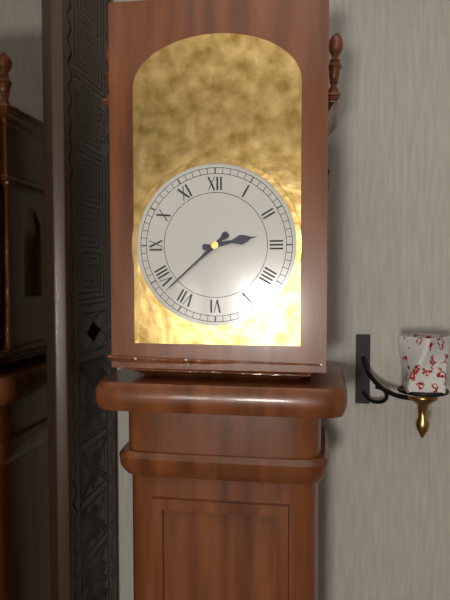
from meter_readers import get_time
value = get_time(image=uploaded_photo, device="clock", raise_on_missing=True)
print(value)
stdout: 2:38
